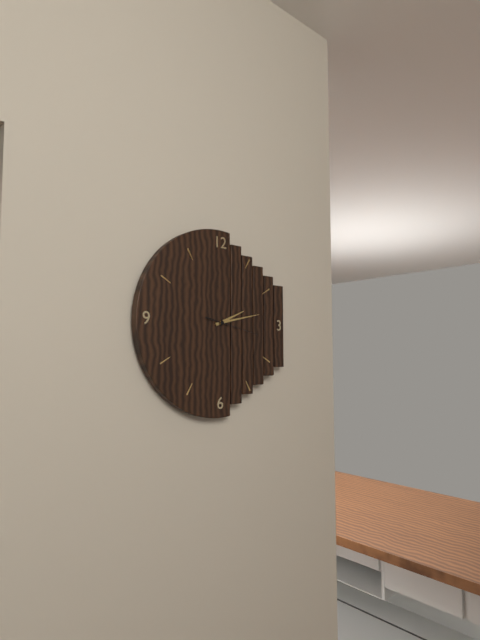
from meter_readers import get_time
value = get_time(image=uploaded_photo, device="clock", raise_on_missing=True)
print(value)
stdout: 2:13
